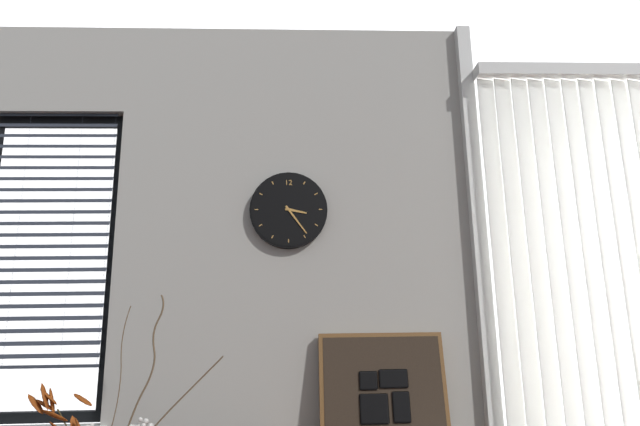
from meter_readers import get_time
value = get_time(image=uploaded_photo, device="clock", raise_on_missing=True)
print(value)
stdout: 3:24
